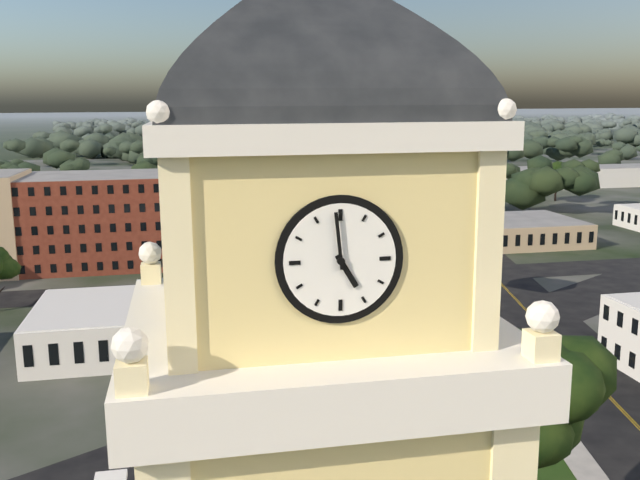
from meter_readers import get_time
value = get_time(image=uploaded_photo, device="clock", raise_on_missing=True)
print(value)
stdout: 4:59
